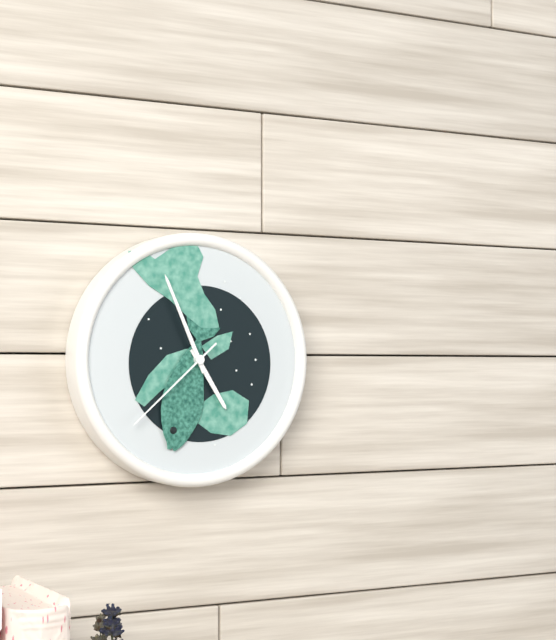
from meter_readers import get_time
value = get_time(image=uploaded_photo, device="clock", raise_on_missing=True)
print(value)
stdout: 4:56:38
